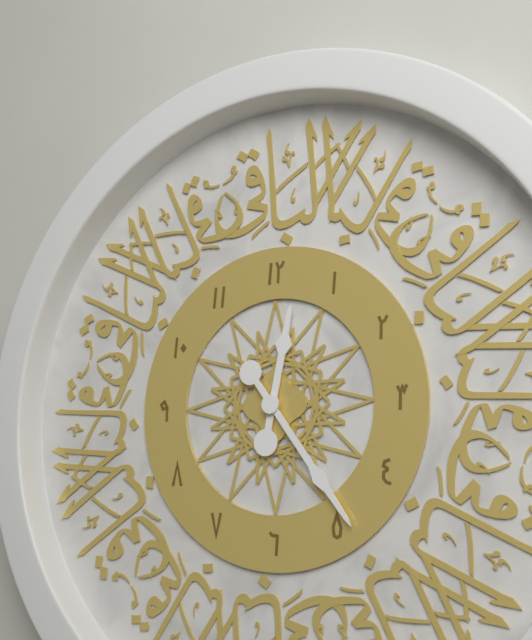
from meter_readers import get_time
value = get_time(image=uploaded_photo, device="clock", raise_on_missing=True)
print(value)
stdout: 12:24
